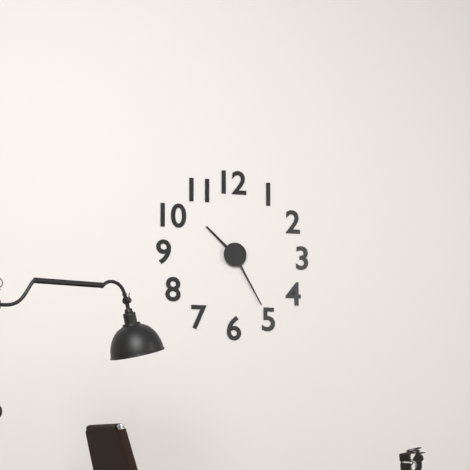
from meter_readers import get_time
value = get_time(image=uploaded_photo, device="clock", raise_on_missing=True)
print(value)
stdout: 10:25
